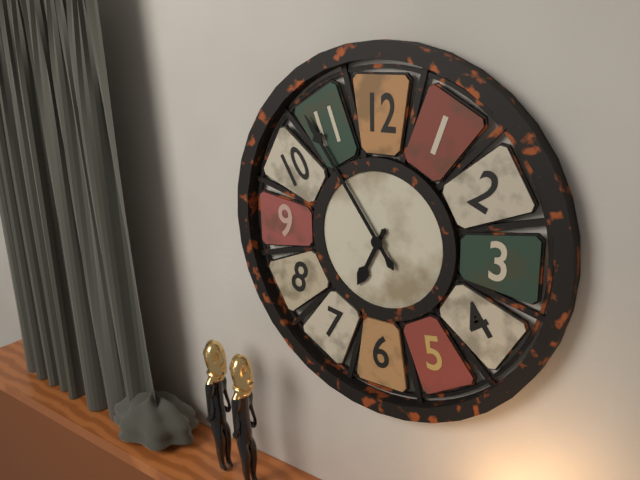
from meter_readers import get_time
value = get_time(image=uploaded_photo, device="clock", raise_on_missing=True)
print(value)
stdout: 6:54
